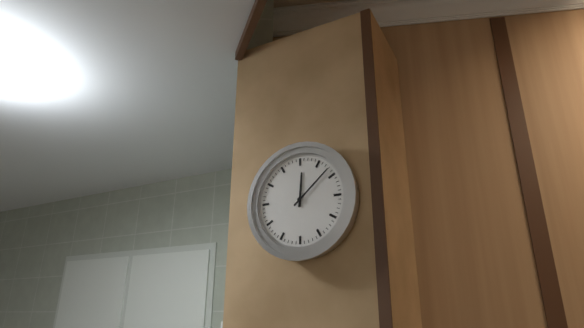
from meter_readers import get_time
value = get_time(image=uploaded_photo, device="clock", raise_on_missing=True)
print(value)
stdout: 12:08
